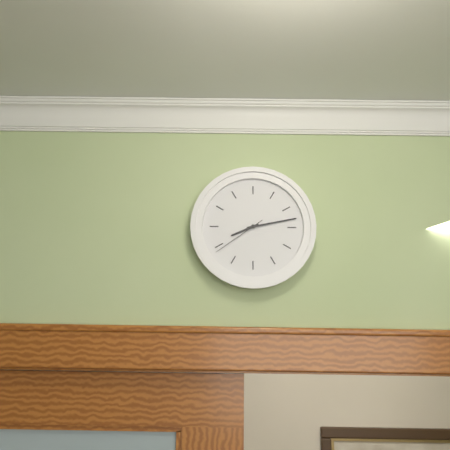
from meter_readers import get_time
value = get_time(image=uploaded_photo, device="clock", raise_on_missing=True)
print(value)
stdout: 8:13:39
